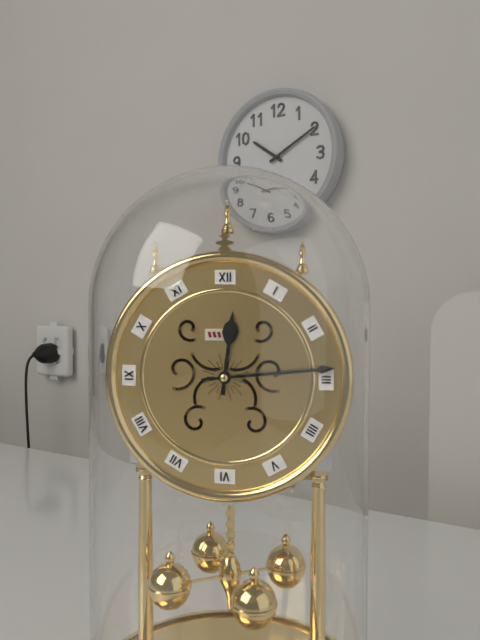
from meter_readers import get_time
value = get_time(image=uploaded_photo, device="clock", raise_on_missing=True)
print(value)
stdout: 12:14
